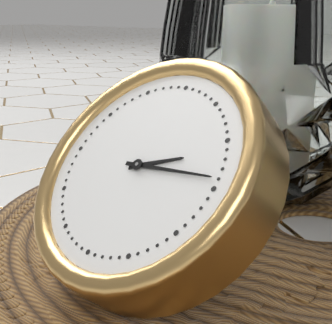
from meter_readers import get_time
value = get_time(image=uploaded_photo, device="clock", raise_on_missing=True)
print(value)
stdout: 2:14
